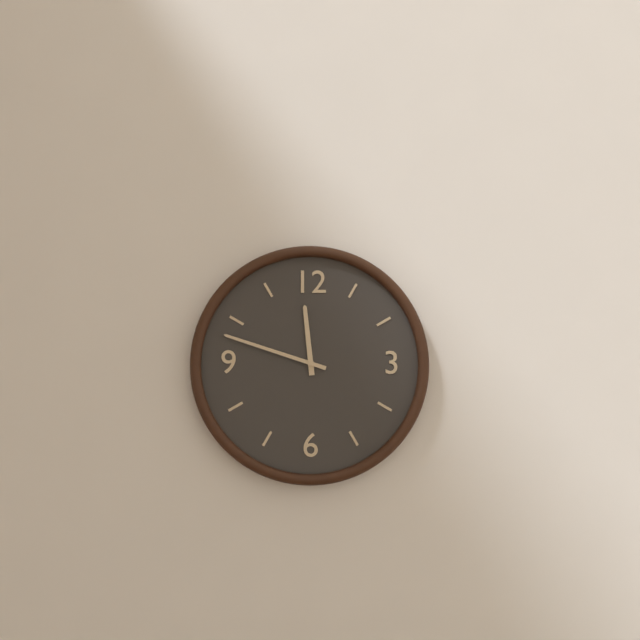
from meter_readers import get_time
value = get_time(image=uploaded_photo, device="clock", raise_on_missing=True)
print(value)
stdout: 11:48
